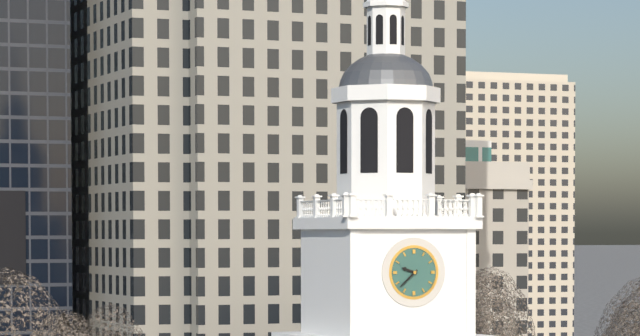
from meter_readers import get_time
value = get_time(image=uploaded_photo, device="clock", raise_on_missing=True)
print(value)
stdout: 9:38
